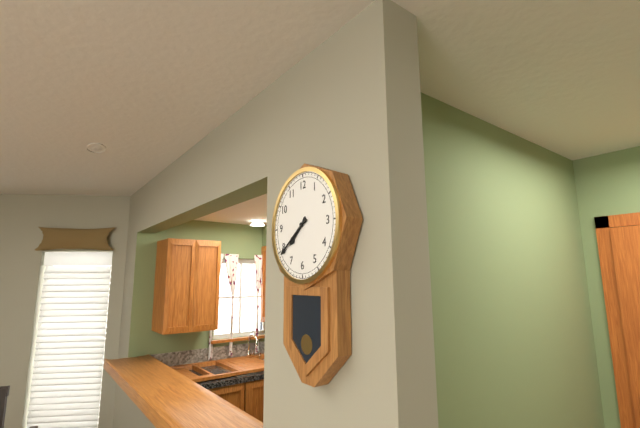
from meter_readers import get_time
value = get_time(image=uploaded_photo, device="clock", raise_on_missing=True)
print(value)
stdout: 7:39
